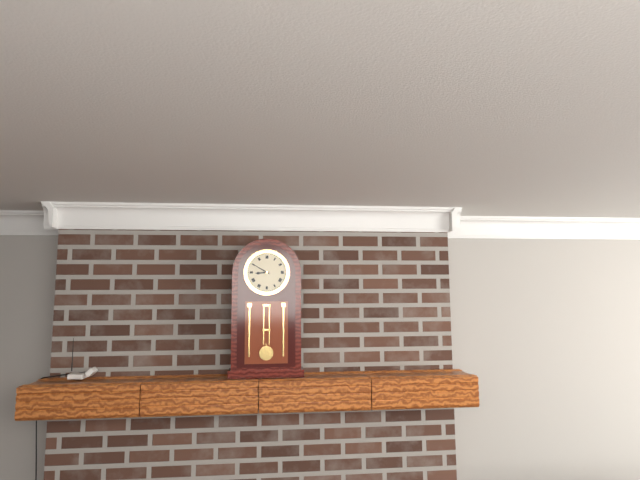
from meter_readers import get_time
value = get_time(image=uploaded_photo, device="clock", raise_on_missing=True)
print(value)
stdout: 8:50
